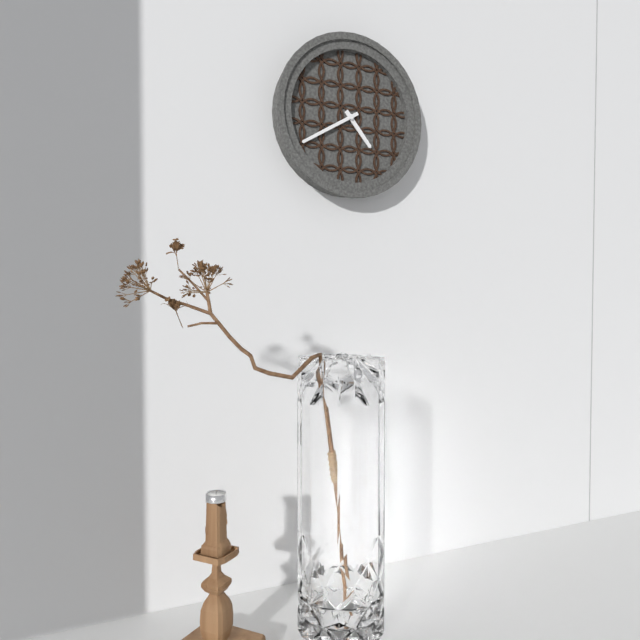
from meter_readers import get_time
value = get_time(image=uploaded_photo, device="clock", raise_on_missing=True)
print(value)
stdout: 4:40
